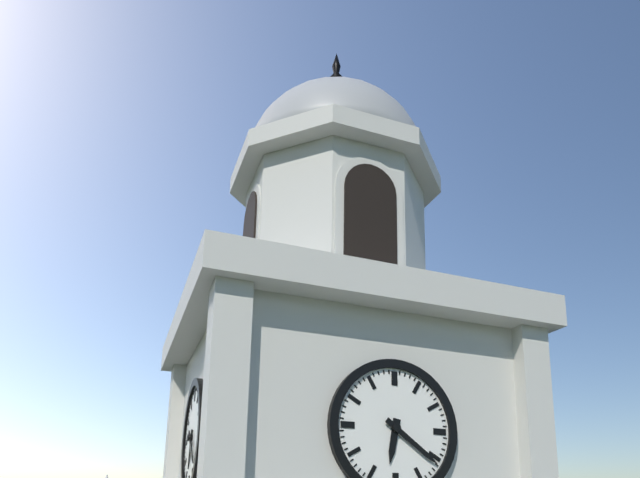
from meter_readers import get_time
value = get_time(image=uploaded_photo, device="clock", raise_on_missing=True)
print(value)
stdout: 6:21
